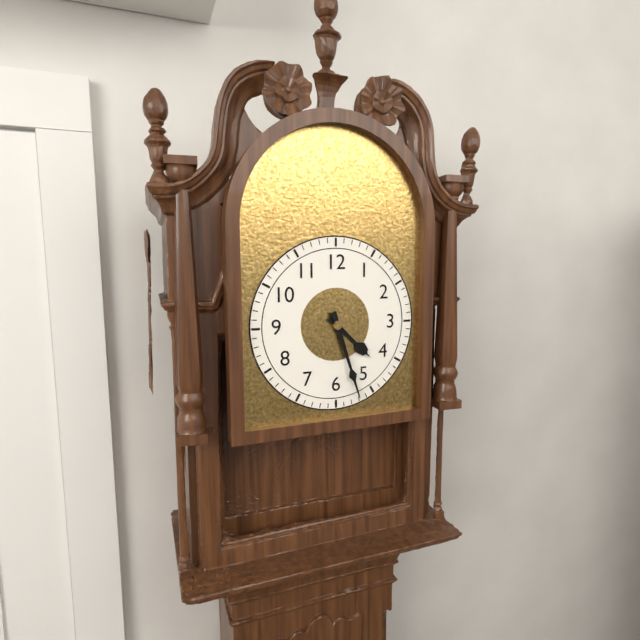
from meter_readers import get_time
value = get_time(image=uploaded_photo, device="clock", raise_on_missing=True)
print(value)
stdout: 4:27
